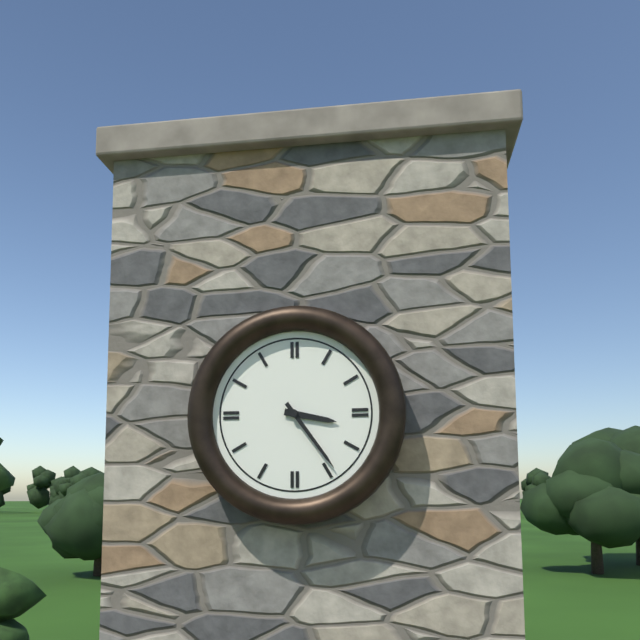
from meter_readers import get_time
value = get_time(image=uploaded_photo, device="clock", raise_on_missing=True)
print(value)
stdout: 3:24
